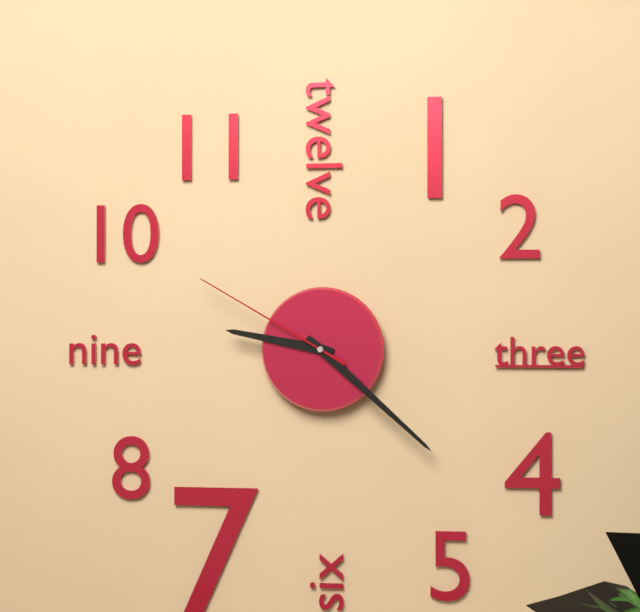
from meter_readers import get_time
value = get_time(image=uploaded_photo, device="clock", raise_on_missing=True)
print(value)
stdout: 9:22:50
